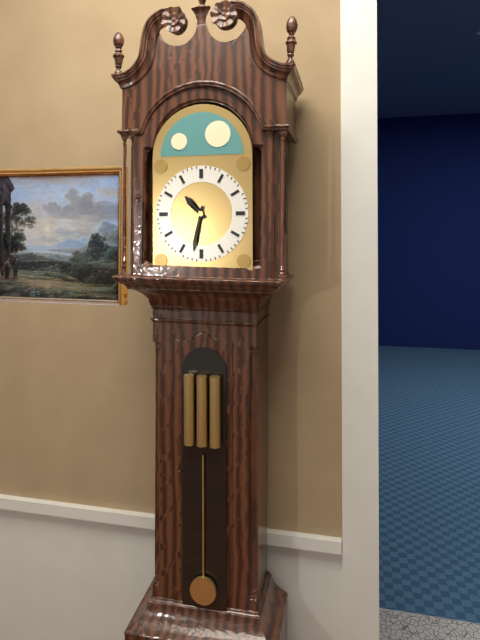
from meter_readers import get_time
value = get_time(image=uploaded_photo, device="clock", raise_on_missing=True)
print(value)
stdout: 10:32
